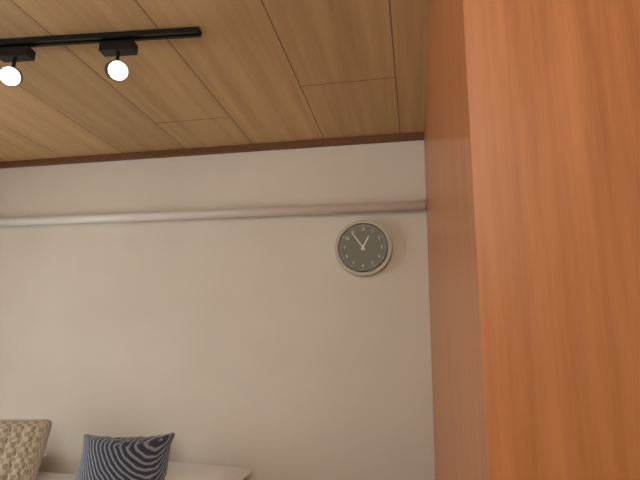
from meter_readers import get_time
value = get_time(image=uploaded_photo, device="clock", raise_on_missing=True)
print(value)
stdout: 12:54
